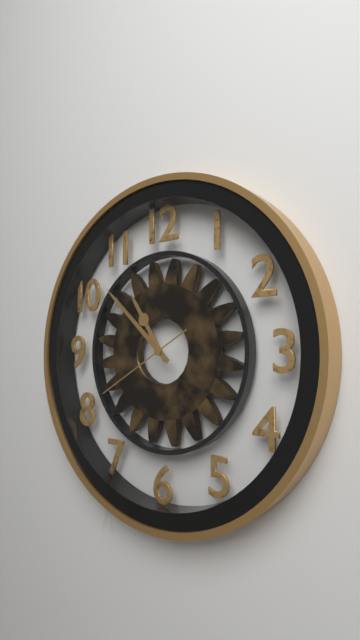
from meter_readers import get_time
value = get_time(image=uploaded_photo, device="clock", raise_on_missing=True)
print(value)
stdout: 10:52:40
